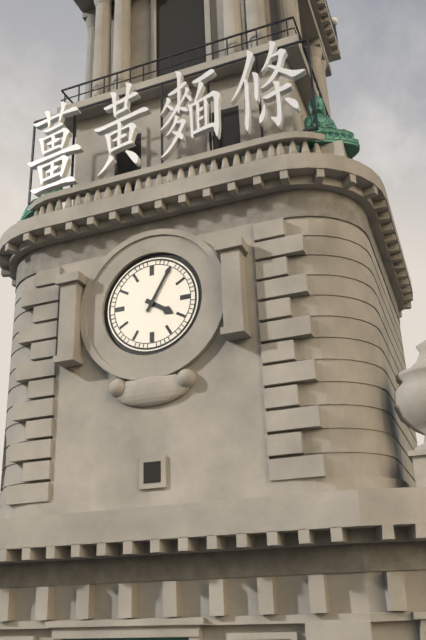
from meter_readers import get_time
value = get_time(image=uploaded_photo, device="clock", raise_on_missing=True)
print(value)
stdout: 4:05
